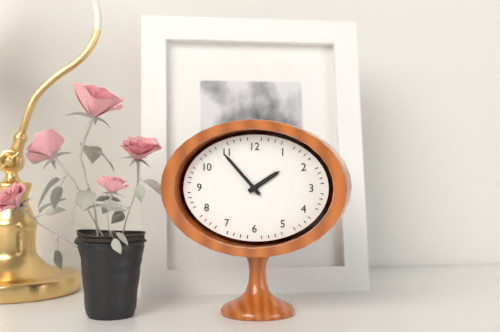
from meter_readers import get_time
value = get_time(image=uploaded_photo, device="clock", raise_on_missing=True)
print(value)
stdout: 1:53
